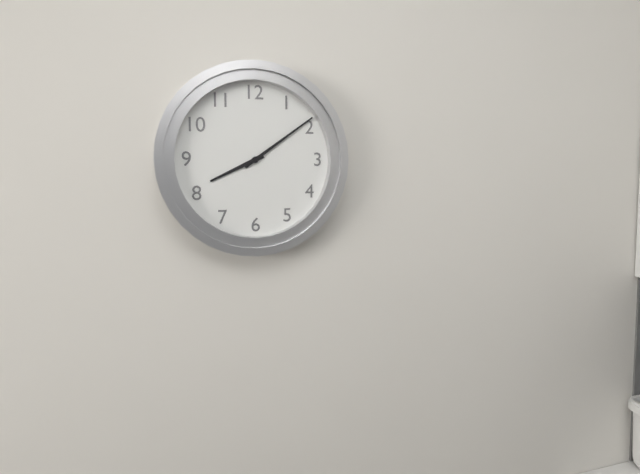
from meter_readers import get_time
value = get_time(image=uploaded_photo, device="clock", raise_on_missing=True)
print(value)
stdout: 8:09
